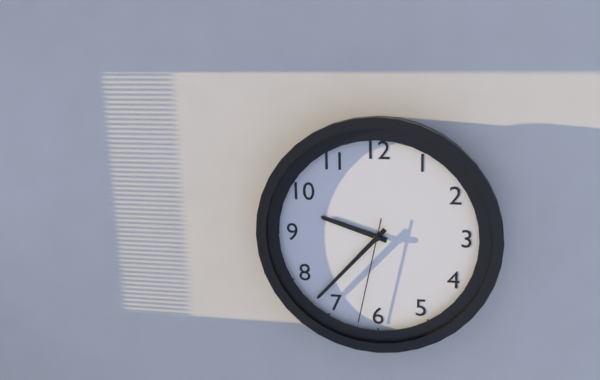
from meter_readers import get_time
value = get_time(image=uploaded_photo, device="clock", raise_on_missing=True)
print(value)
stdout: 9:37:32
